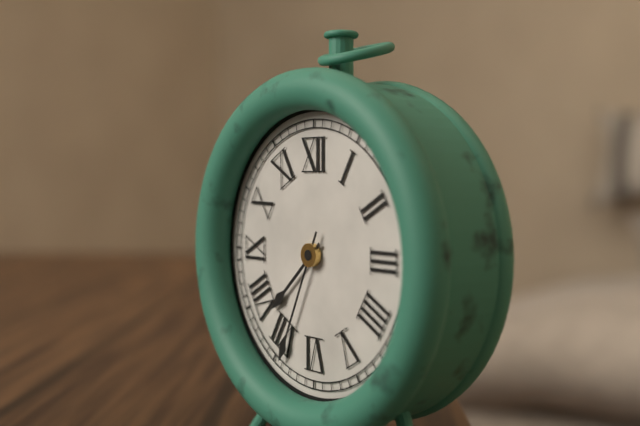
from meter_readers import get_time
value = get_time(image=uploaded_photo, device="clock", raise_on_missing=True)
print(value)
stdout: 7:34
